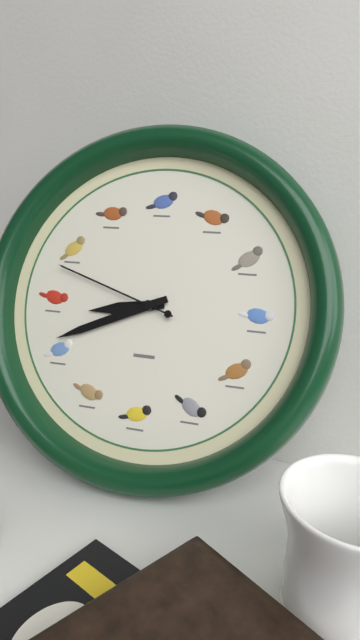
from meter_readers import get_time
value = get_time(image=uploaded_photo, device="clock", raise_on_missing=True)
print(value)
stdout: 8:41:48
